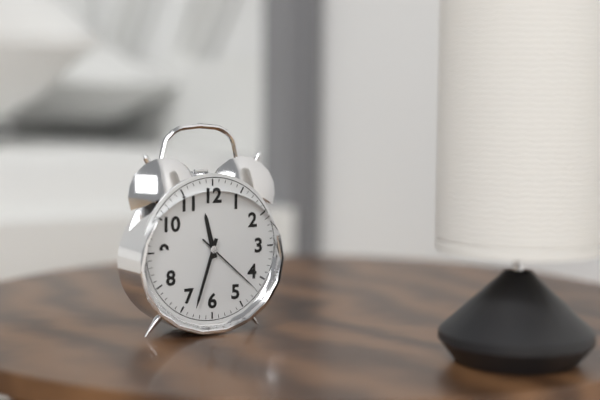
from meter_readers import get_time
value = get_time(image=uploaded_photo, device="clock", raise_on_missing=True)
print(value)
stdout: 11:33:22
